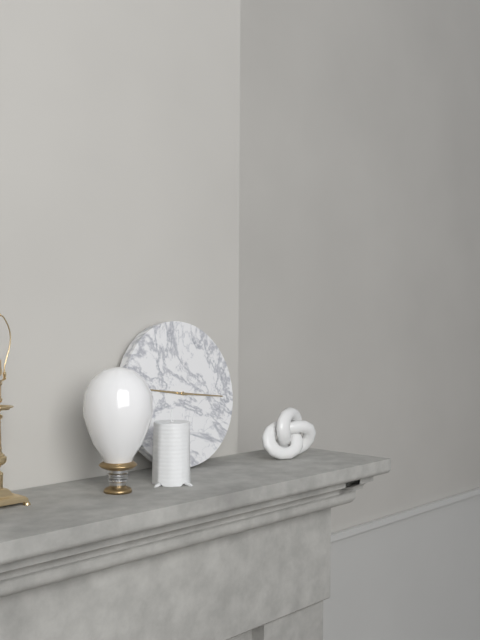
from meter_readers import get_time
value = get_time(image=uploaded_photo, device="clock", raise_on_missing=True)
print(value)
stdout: 9:16
